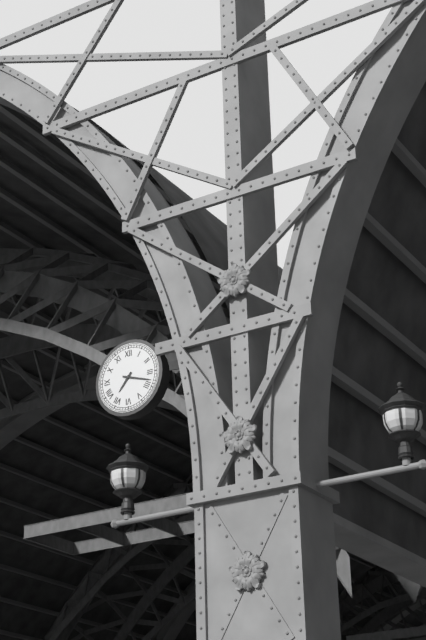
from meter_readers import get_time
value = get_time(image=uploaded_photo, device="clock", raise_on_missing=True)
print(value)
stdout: 7:18
